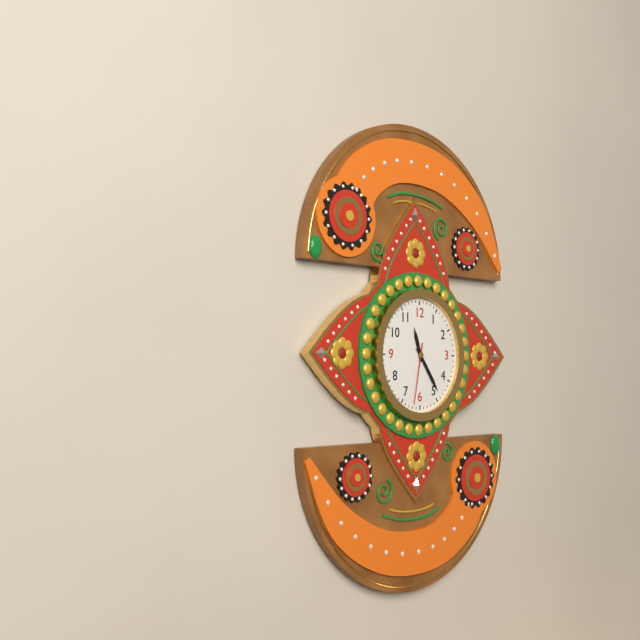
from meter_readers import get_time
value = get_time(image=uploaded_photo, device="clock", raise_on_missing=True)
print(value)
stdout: 11:24:32
